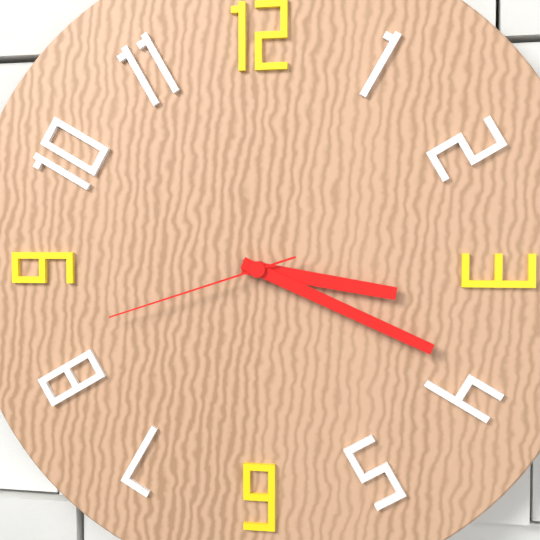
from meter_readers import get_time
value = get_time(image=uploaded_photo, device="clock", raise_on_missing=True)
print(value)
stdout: 3:19:42
